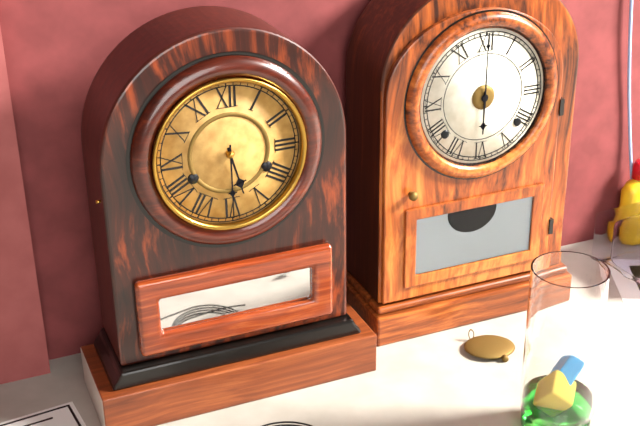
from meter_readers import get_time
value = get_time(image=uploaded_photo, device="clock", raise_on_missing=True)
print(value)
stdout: 5:30
